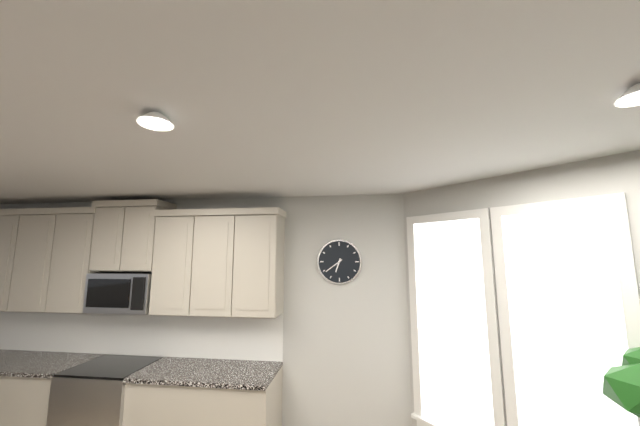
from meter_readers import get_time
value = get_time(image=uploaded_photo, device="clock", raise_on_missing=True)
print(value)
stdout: 6:39
